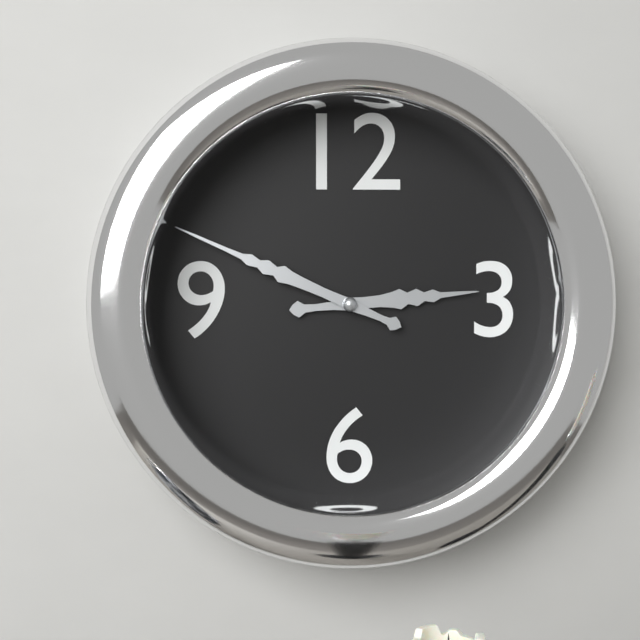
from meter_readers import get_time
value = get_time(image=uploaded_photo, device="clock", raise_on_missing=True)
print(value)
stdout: 2:49
